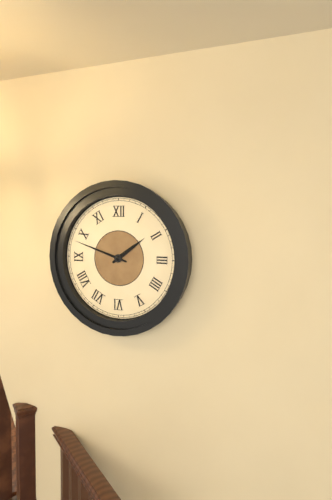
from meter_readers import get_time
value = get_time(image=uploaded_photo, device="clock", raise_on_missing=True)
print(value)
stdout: 1:48
